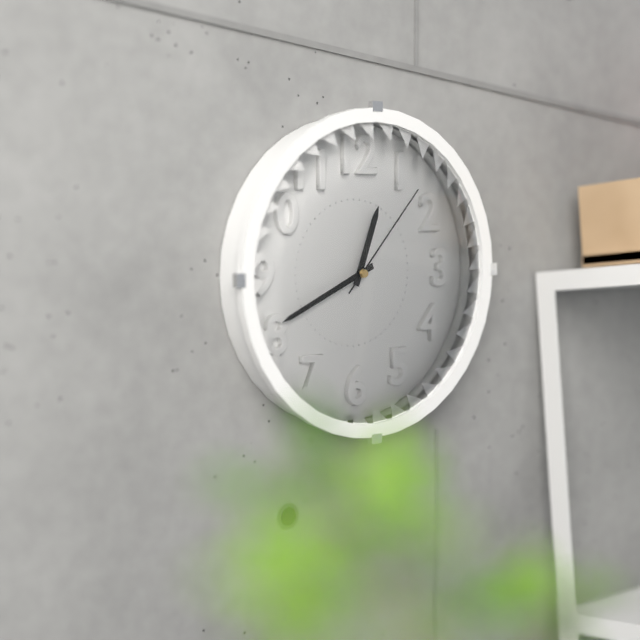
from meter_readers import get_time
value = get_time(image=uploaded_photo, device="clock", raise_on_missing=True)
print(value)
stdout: 12:41:07
